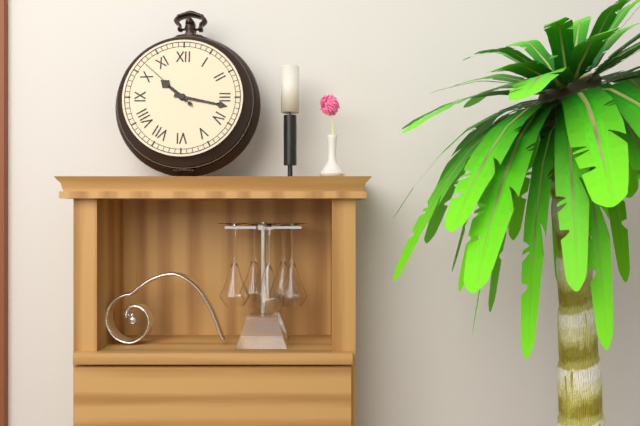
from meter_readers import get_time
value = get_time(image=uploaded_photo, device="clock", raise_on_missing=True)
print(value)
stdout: 10:17:52
